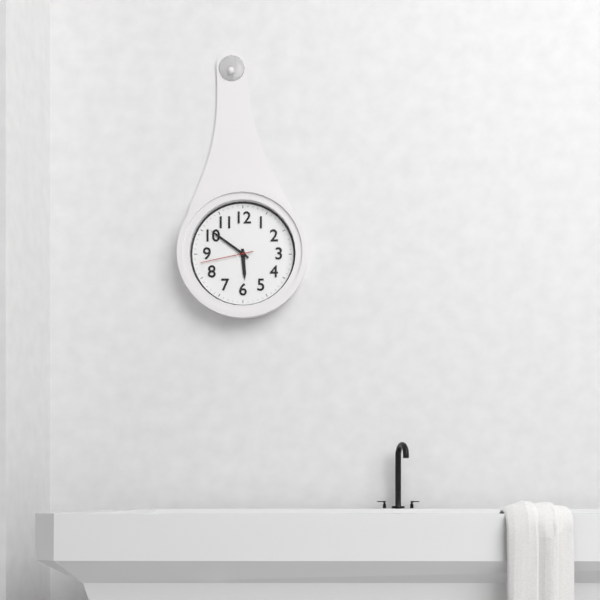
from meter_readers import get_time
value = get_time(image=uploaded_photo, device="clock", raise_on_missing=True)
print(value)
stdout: 5:51:43
